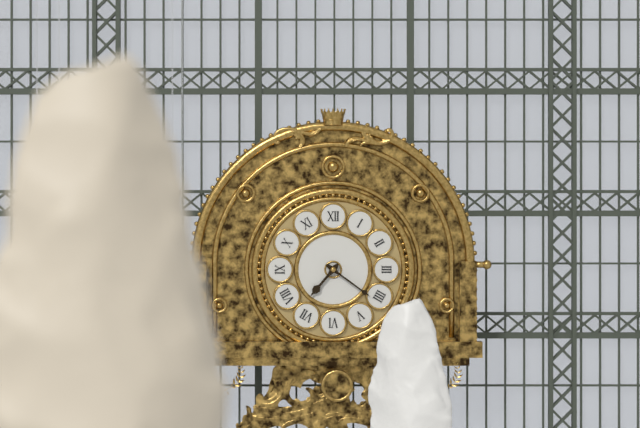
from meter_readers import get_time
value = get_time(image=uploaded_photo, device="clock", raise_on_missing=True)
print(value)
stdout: 7:21
